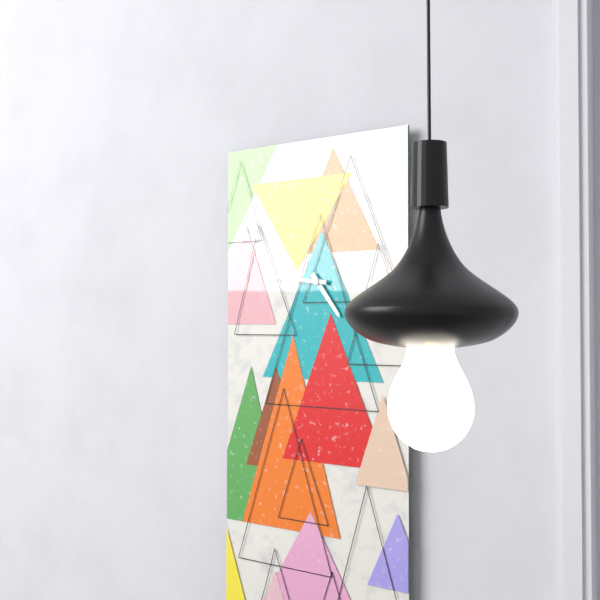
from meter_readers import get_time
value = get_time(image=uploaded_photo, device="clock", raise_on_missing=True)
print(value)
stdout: 4:46
